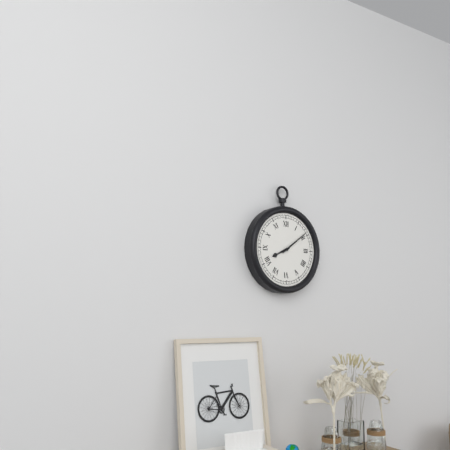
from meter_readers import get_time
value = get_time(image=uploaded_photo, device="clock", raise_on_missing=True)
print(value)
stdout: 8:09
